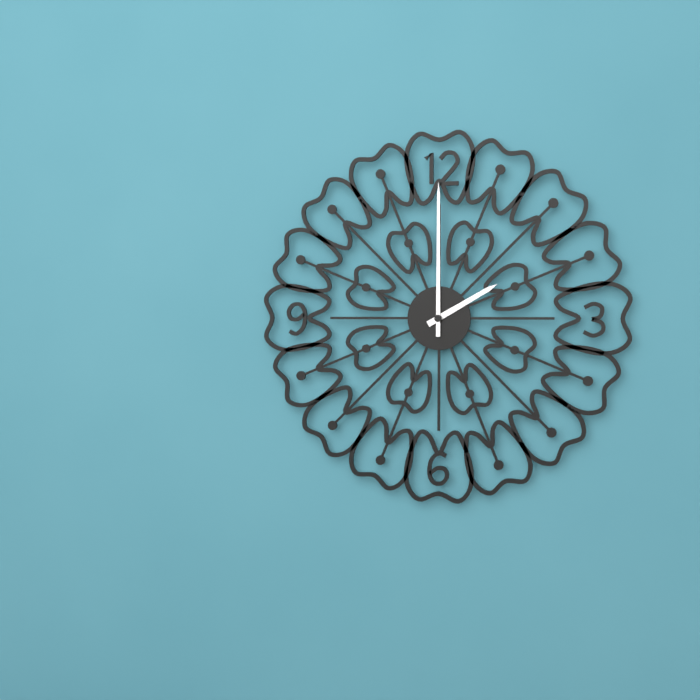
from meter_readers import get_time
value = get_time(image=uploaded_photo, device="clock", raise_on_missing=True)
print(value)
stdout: 2:00
